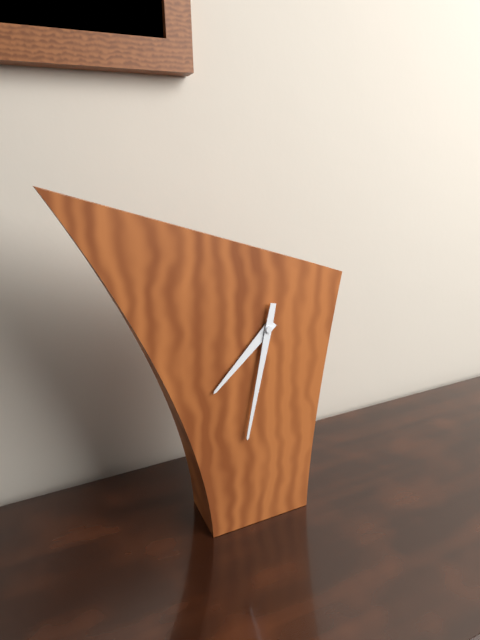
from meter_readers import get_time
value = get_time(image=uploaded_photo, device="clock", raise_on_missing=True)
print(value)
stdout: 7:32
